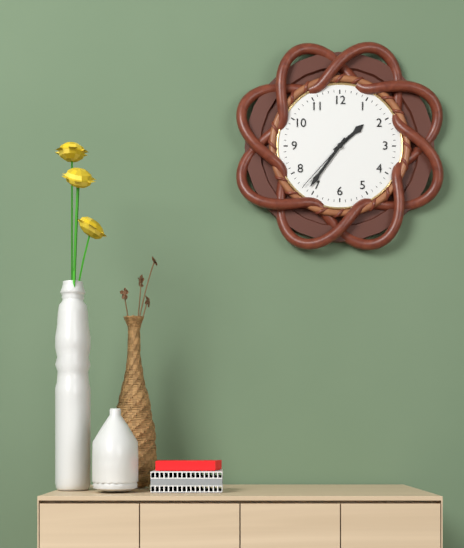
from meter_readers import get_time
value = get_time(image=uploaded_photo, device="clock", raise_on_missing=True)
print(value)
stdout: 1:36:37
